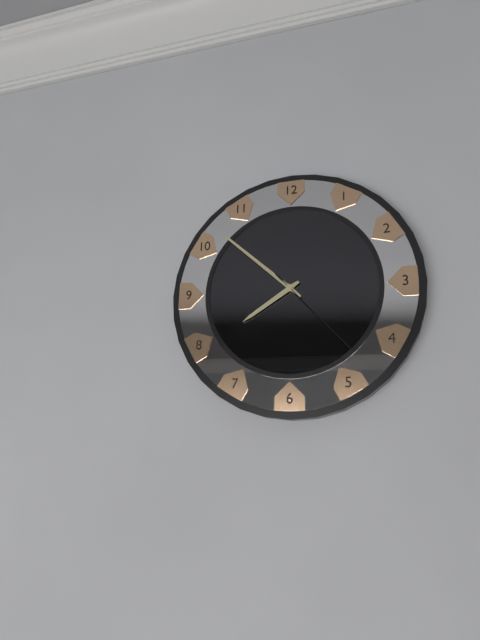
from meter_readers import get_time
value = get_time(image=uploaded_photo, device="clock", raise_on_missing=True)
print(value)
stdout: 7:52:23
